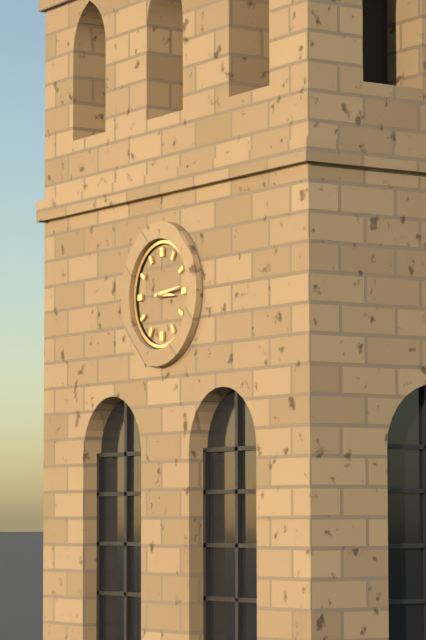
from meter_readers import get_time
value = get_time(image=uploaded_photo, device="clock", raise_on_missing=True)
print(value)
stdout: 3:14
